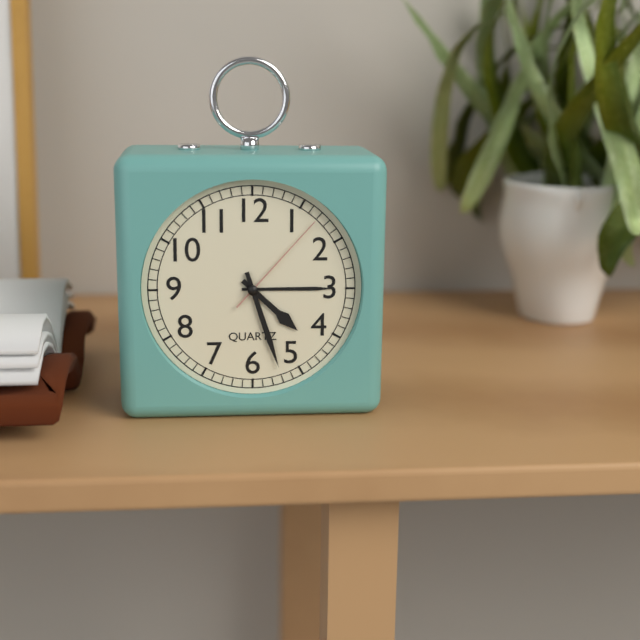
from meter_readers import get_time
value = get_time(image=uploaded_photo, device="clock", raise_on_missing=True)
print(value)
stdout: 4:27:07
